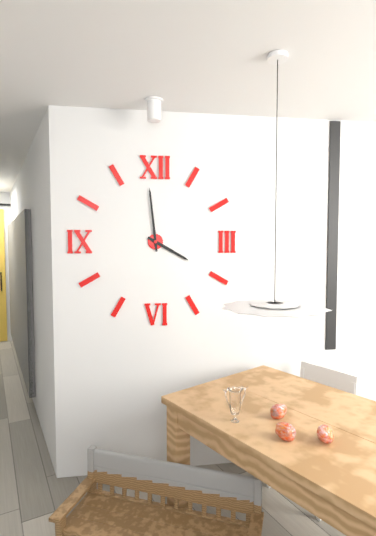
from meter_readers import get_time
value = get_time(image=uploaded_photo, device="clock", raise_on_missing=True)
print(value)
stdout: 3:59
